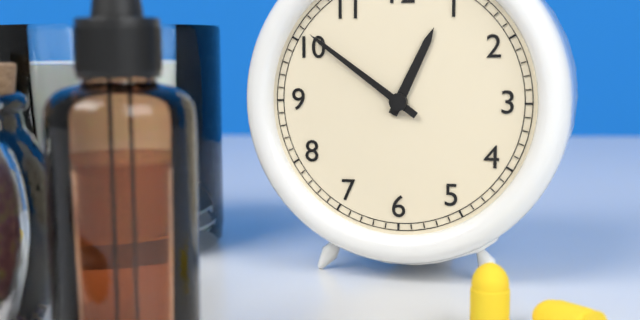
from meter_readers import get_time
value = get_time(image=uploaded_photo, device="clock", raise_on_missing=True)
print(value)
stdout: 12:51
